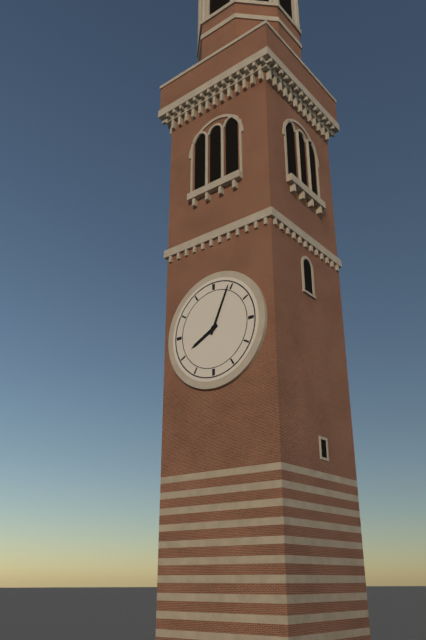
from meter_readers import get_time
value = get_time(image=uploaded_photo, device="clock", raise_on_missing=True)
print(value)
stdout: 8:04
